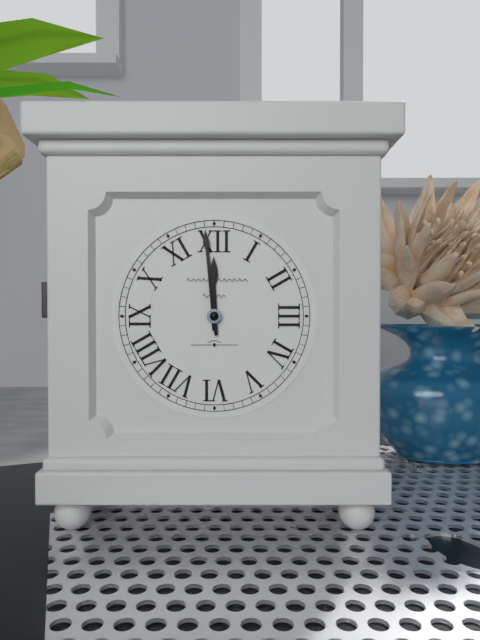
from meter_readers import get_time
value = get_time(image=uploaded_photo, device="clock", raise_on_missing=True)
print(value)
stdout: 11:59
